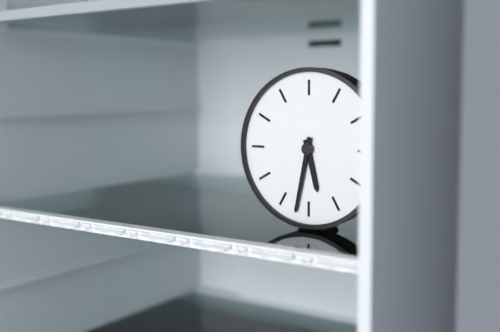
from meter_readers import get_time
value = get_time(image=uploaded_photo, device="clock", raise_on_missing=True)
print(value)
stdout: 5:32
